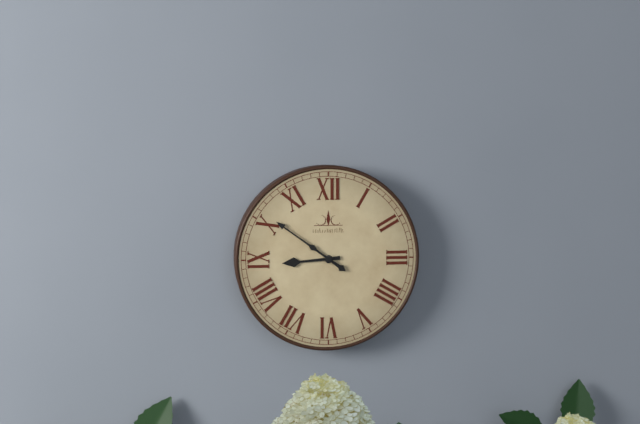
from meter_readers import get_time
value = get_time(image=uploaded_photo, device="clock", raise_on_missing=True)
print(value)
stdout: 8:51
